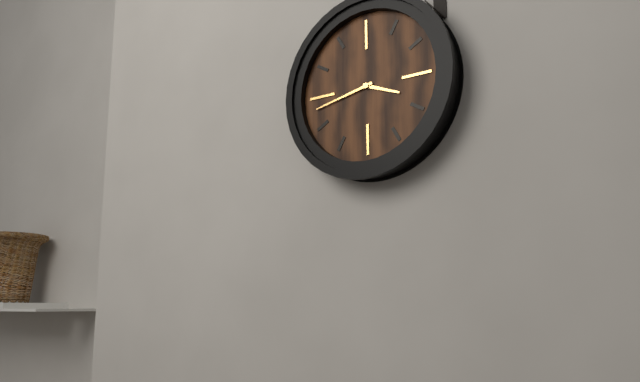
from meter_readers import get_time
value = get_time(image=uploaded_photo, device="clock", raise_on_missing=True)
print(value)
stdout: 3:43
